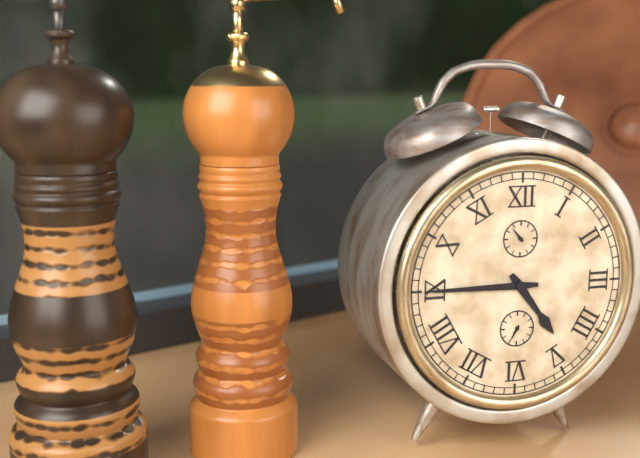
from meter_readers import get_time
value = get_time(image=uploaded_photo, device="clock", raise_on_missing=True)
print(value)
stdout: 4:45
